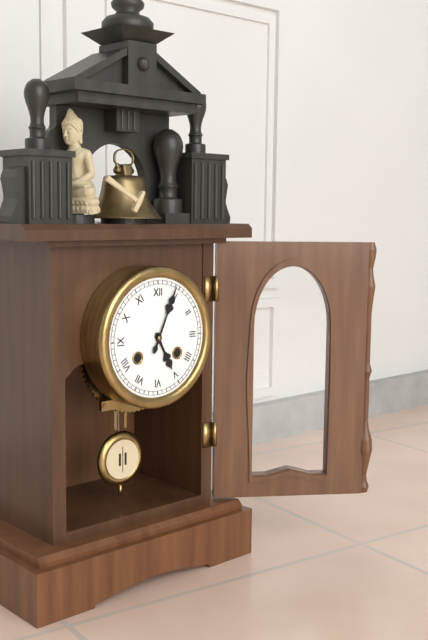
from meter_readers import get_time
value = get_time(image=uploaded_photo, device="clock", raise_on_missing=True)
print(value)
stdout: 5:04
